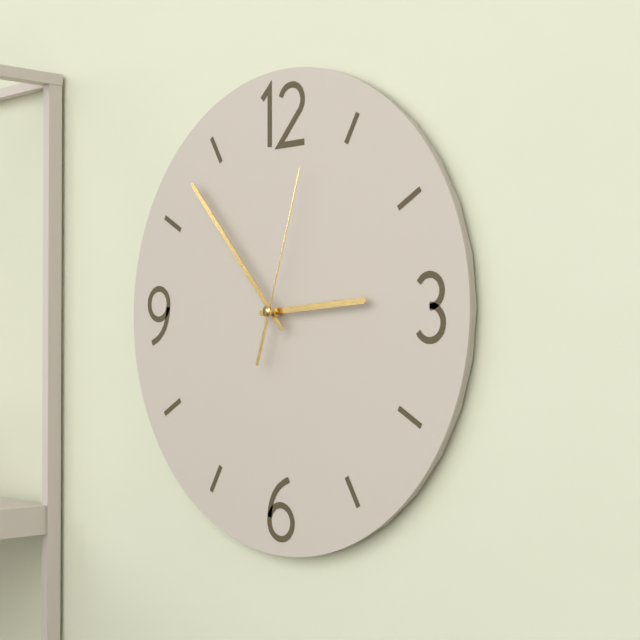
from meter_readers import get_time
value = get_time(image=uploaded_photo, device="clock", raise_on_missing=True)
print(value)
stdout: 2:53:03
